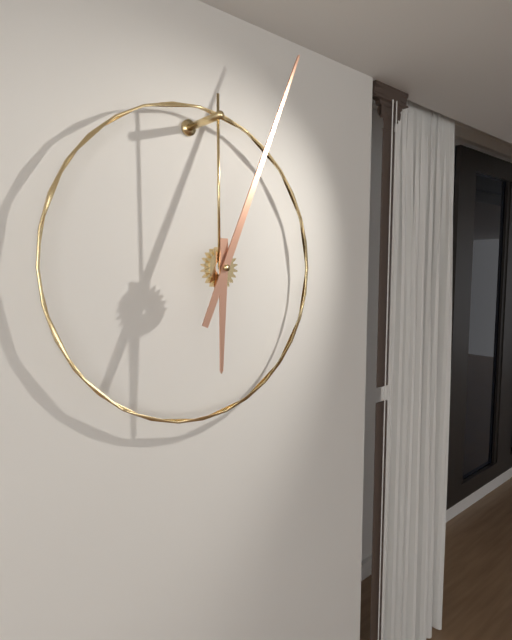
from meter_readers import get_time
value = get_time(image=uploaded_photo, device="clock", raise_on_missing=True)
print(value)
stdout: 6:04
